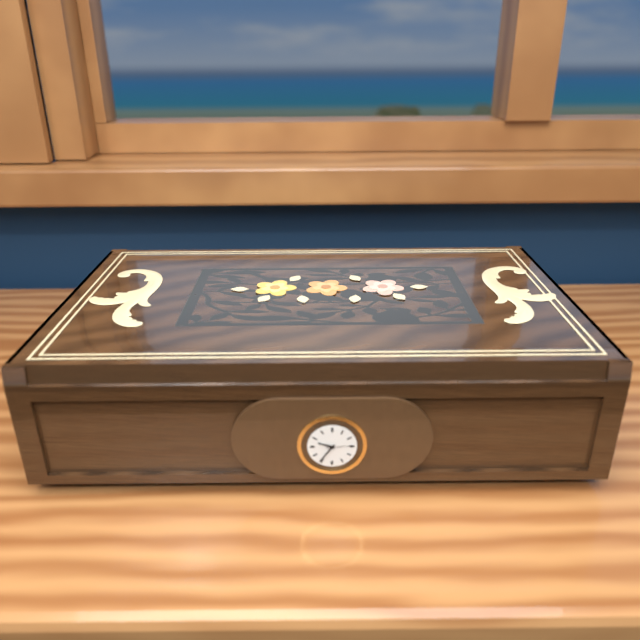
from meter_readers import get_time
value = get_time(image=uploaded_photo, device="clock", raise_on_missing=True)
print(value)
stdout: 9:36:14
